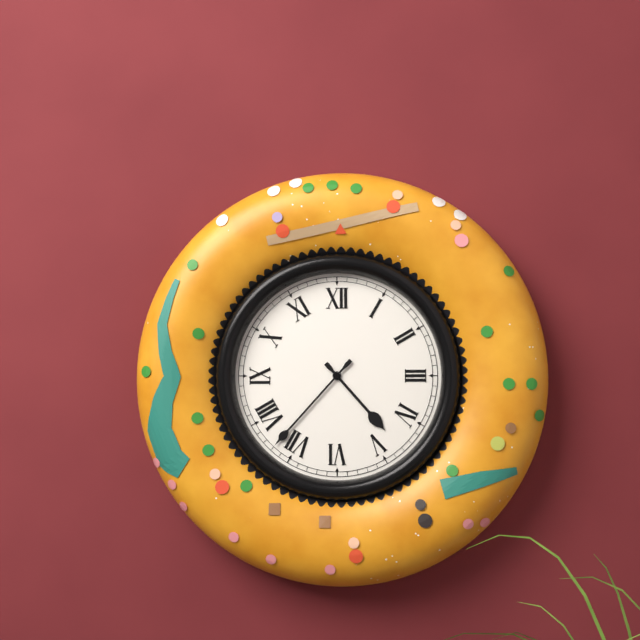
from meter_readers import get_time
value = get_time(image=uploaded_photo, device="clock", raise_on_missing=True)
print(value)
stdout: 4:37
